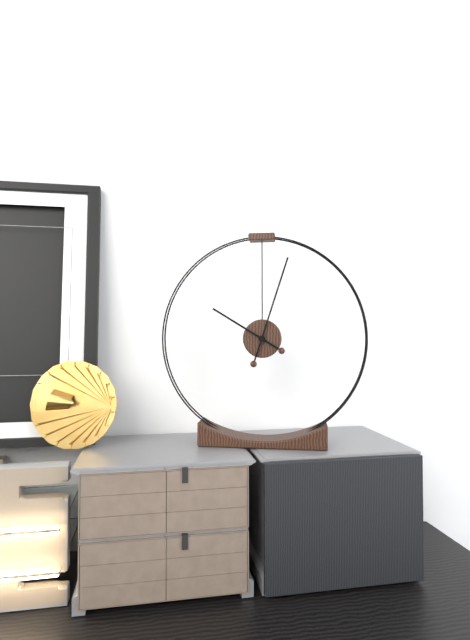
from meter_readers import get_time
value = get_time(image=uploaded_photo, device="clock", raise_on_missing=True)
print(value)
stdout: 10:03
